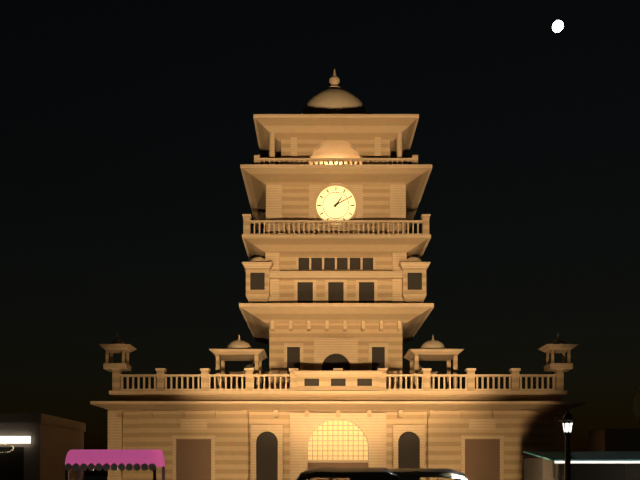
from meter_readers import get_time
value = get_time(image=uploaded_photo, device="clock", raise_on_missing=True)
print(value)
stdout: 1:10
